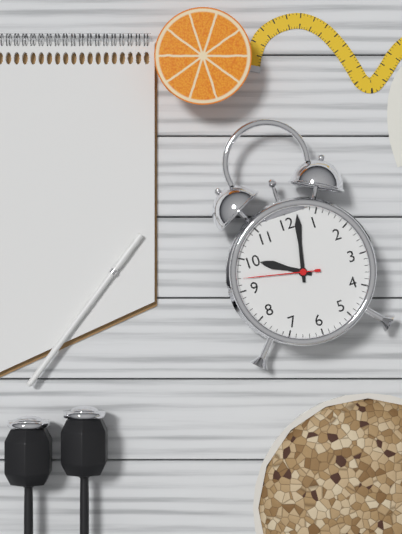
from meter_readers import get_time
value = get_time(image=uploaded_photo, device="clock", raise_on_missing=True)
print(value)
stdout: 10:02:47
